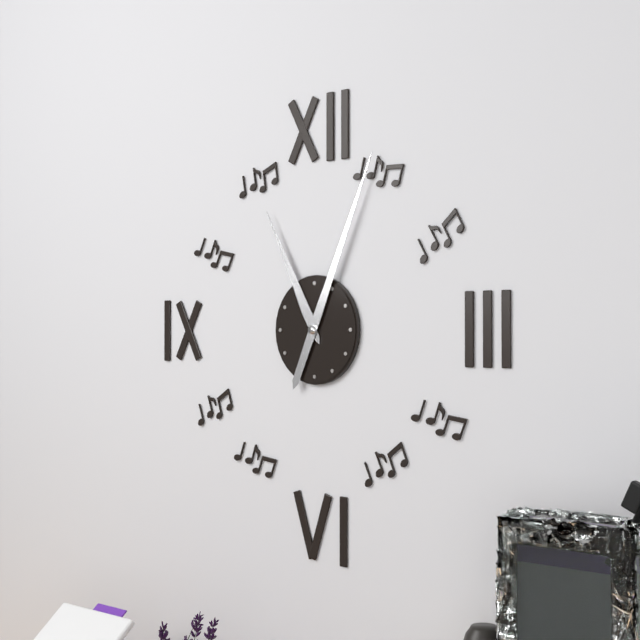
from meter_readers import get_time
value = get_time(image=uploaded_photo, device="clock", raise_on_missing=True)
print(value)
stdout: 11:04
